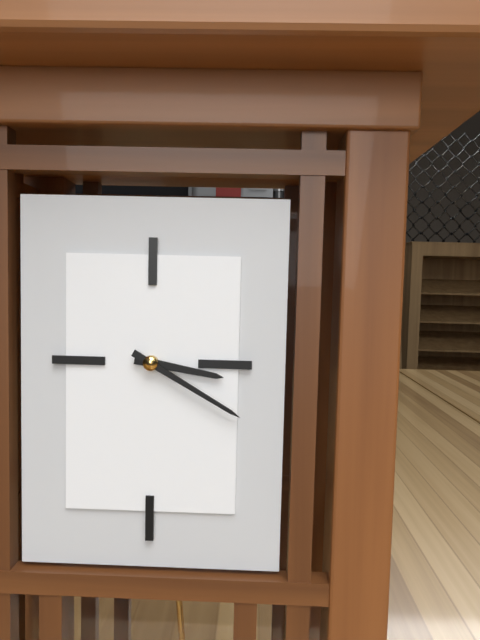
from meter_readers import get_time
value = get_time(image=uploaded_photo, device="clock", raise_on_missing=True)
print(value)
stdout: 3:20
